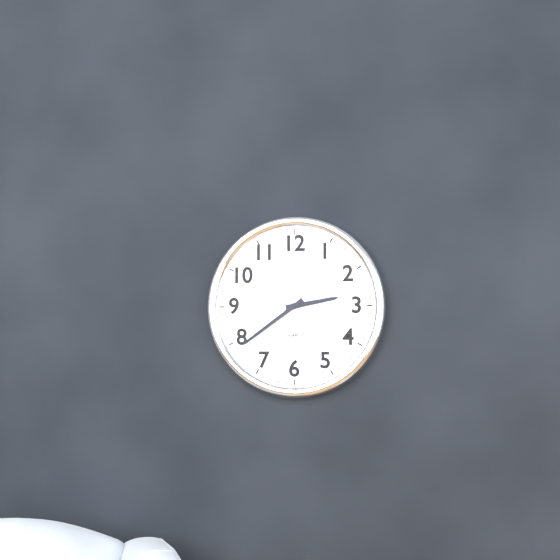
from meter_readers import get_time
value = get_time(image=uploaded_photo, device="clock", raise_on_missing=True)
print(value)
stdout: 2:39
